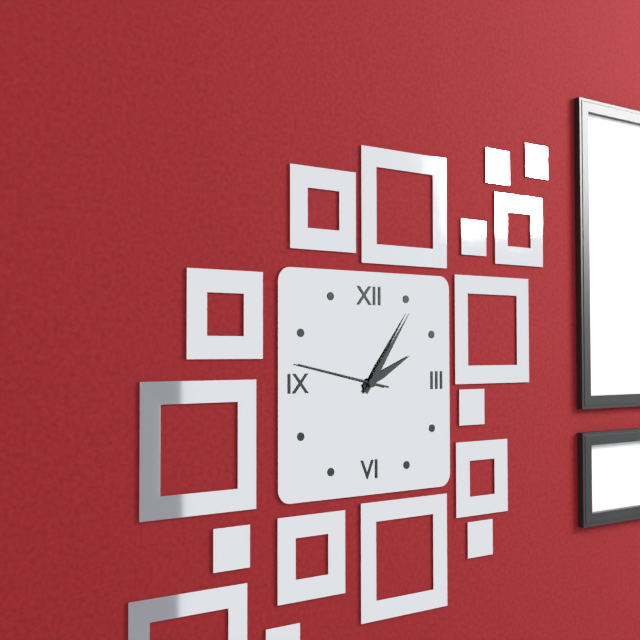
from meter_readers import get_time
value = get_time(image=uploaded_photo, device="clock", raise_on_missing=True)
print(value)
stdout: 2:06:47
